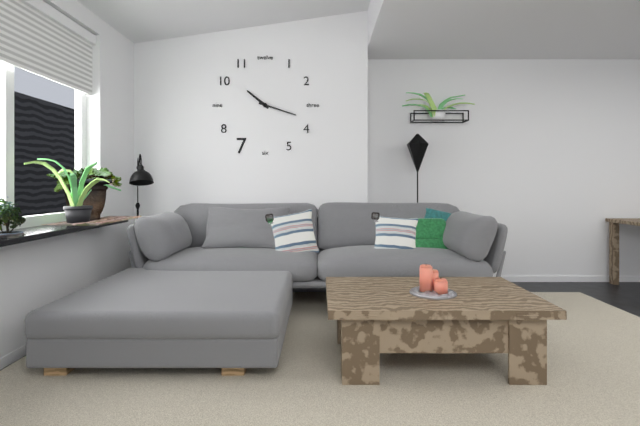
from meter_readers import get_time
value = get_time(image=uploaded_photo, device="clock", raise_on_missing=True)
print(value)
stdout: 10:18
